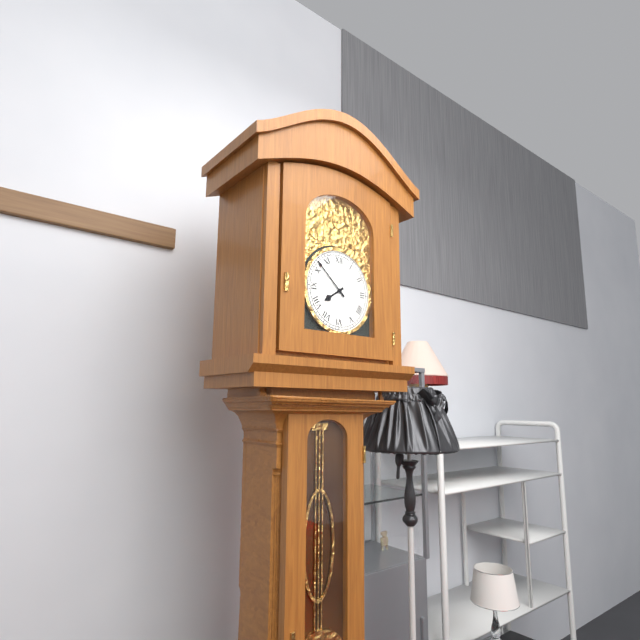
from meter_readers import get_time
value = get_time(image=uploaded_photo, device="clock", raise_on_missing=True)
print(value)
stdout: 7:52
